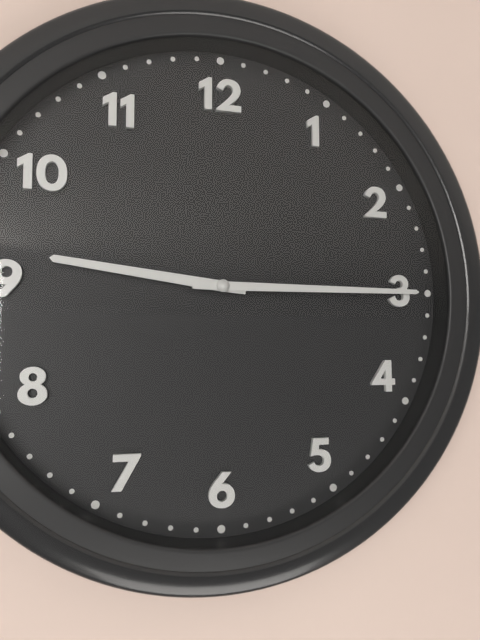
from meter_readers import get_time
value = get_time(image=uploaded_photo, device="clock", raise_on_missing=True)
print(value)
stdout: 9:15
